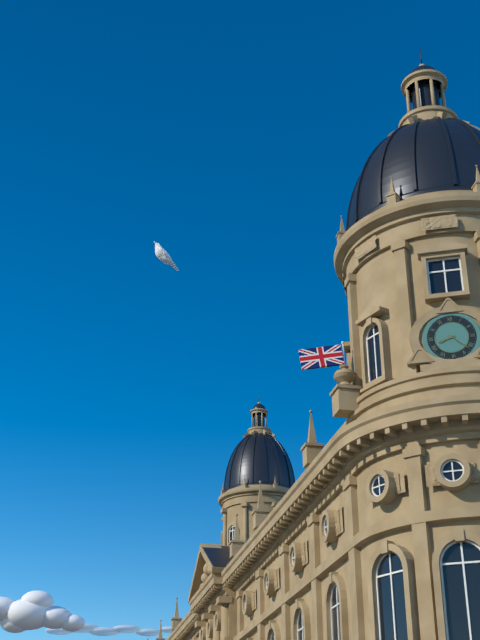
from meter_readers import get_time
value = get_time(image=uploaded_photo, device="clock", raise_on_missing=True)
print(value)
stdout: 8:22
